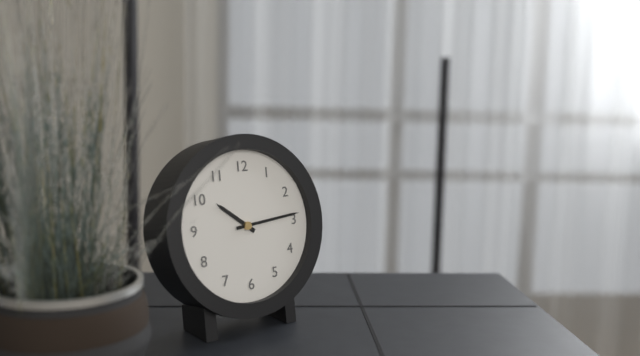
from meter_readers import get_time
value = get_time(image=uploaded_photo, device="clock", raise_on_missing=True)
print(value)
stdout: 10:14
